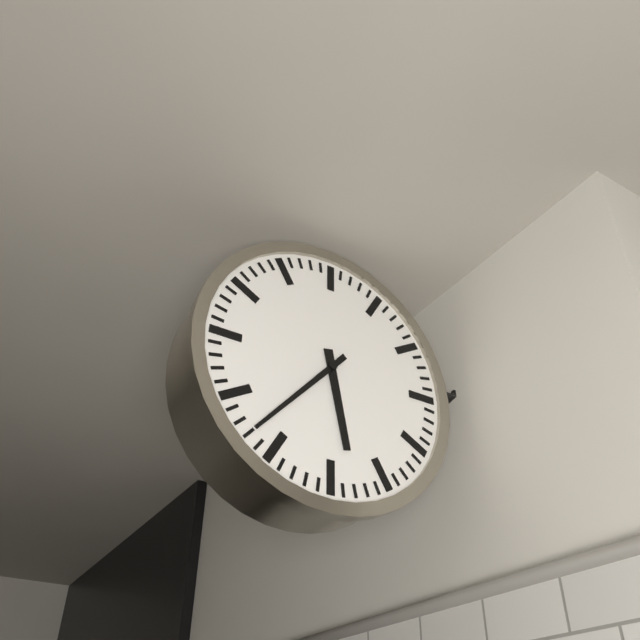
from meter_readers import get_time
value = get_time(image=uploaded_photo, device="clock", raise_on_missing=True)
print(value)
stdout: 5:37
